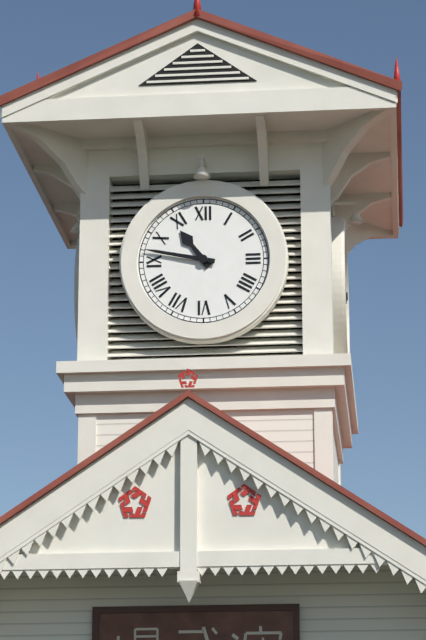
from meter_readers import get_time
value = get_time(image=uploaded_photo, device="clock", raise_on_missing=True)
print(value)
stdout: 10:47
